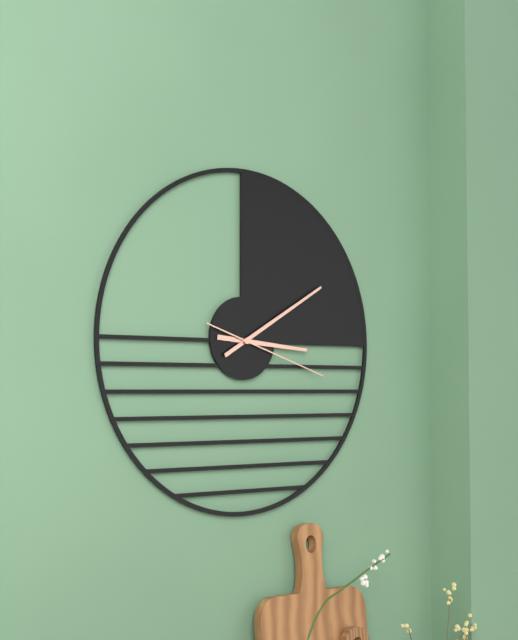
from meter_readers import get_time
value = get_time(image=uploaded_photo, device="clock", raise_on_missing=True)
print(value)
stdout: 3:10:18
